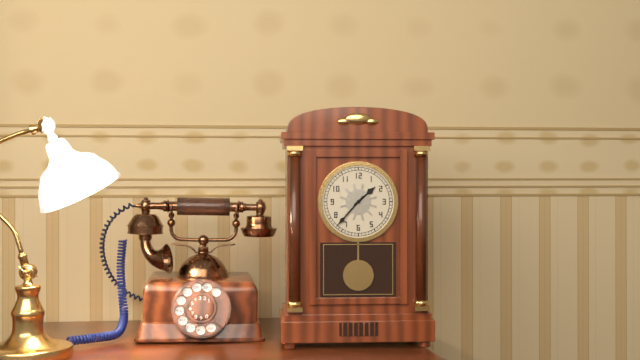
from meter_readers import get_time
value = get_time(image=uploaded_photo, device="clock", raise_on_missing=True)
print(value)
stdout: 1:37
